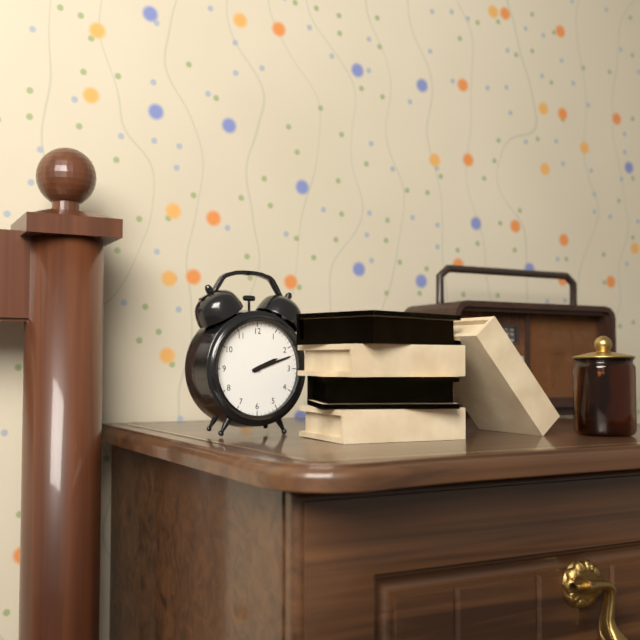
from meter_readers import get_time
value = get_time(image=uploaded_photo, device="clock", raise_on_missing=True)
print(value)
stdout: 2:12
